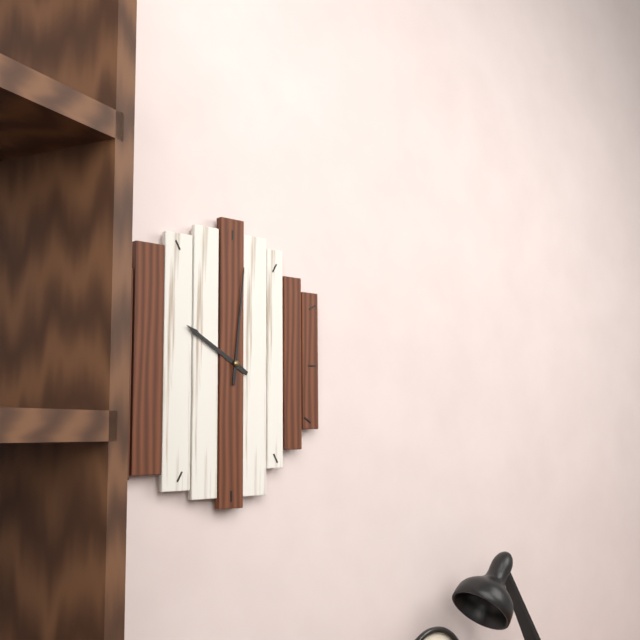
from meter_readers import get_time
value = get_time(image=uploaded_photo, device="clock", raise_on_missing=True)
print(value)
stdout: 10:01
